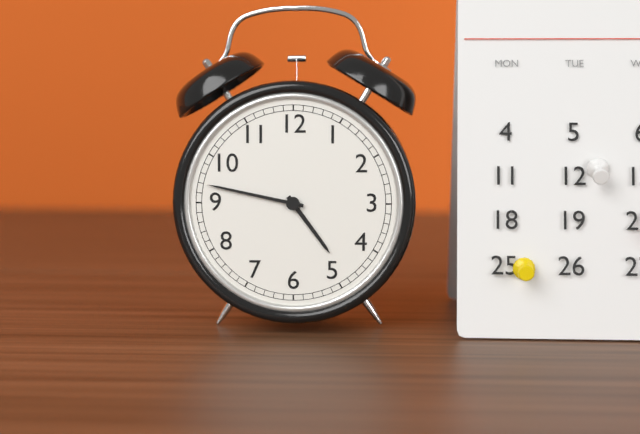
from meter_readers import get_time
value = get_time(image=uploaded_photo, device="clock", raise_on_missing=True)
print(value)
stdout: 4:47
